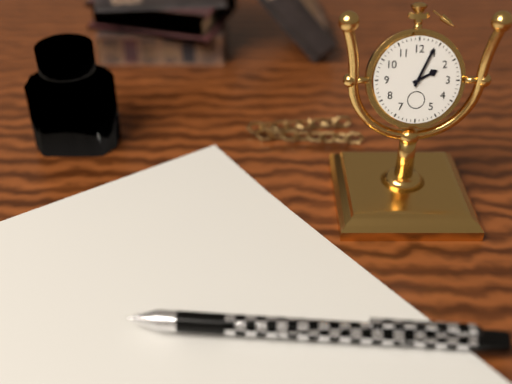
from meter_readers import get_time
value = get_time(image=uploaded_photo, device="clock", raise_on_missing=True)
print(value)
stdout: 2:04
